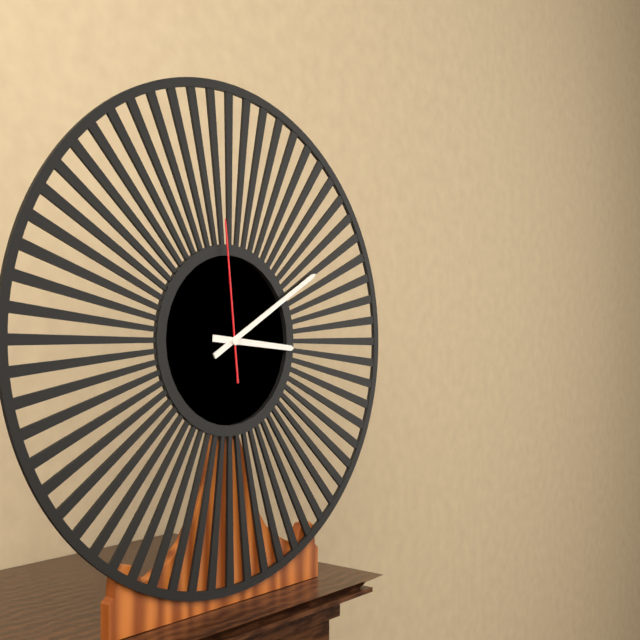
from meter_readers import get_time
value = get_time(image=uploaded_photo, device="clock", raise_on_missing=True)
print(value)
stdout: 3:10:59
